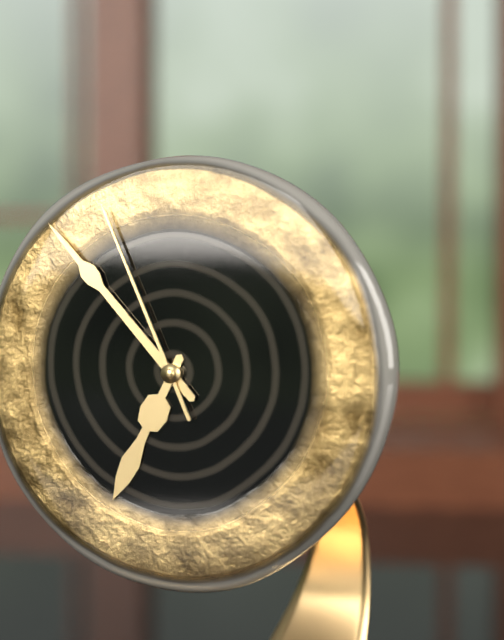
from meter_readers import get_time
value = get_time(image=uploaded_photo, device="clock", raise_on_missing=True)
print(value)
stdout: 6:53:56
